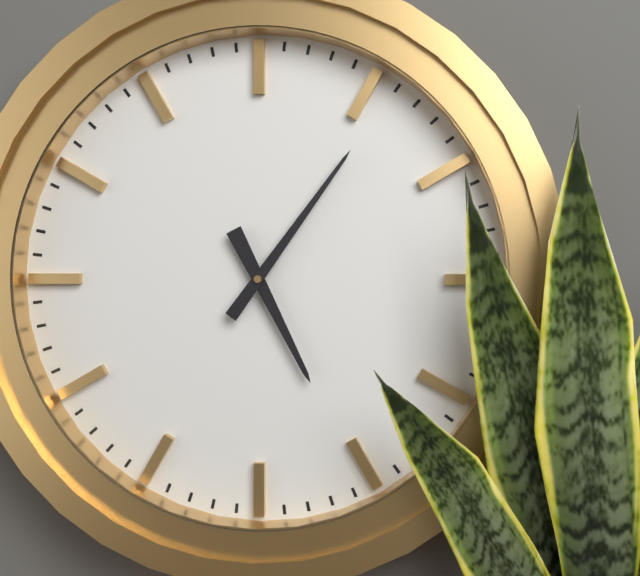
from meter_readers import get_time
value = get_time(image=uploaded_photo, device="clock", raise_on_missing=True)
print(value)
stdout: 5:06
